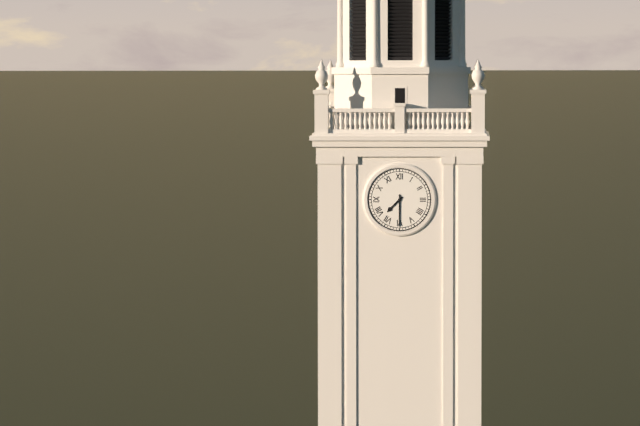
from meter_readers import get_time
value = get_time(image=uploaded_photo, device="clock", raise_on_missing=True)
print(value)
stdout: 7:30
